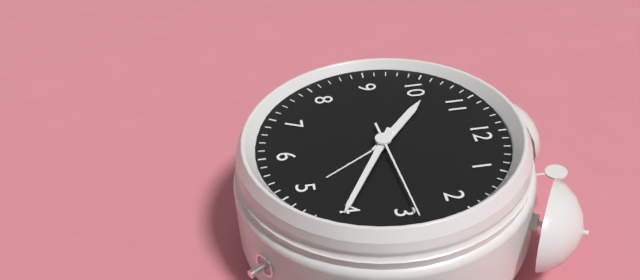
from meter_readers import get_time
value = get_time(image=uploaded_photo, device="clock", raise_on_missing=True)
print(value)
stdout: 10:20:14
